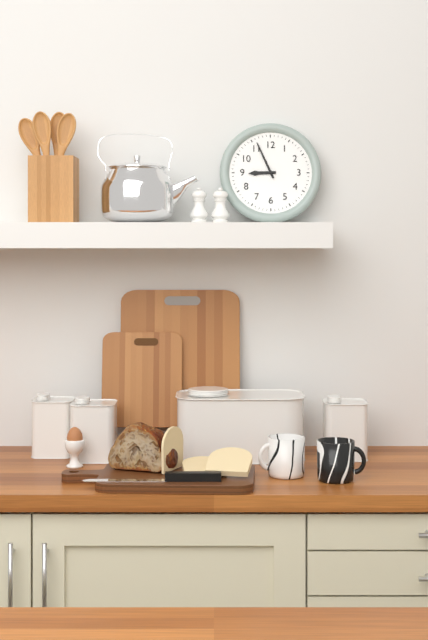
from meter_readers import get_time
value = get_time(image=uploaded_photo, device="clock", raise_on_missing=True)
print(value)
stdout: 8:56
